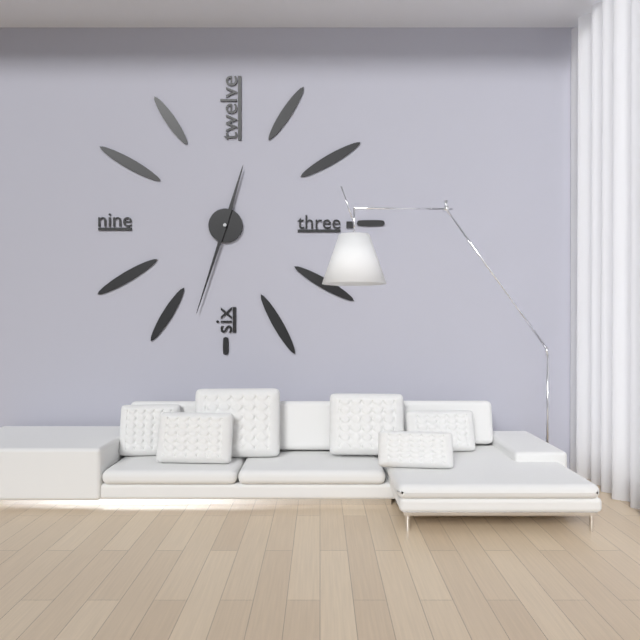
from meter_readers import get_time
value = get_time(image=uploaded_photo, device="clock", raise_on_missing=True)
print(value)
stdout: 12:33
